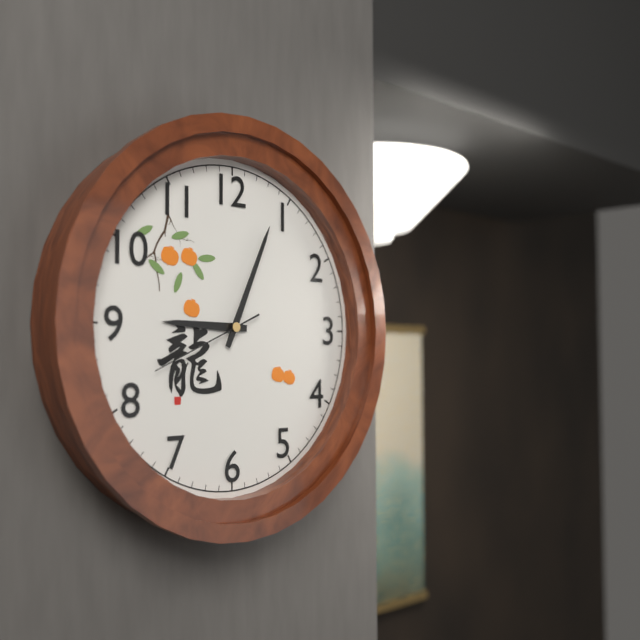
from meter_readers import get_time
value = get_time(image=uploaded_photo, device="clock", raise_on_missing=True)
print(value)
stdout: 9:04:41
